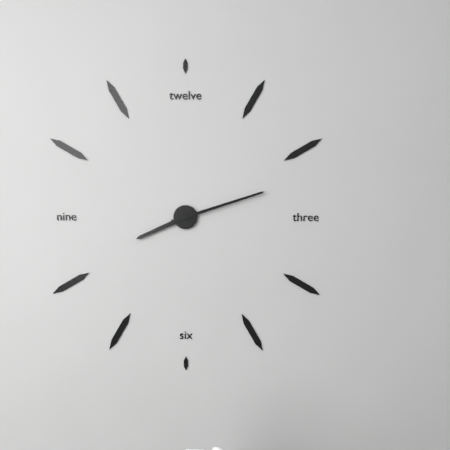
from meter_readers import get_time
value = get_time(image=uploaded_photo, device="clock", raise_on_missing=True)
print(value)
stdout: 8:12
